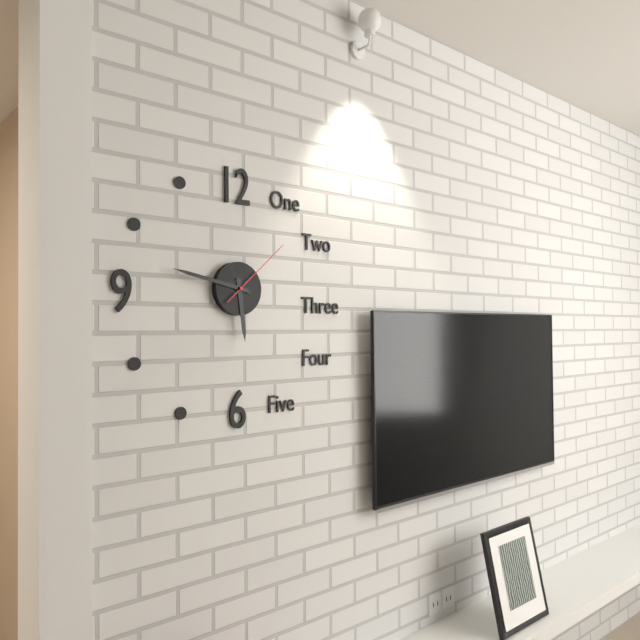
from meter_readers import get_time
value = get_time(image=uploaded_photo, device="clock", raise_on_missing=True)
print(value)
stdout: 5:47:08
